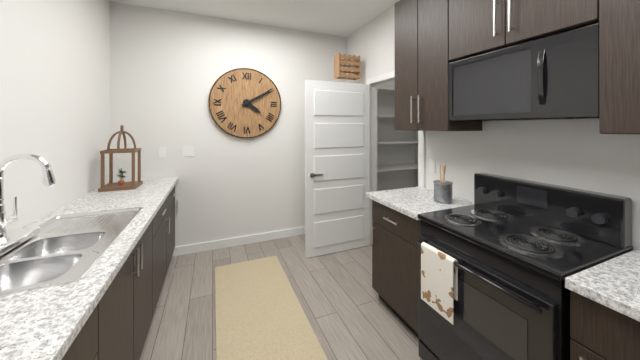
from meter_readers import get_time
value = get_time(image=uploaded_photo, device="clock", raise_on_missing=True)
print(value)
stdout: 4:10
